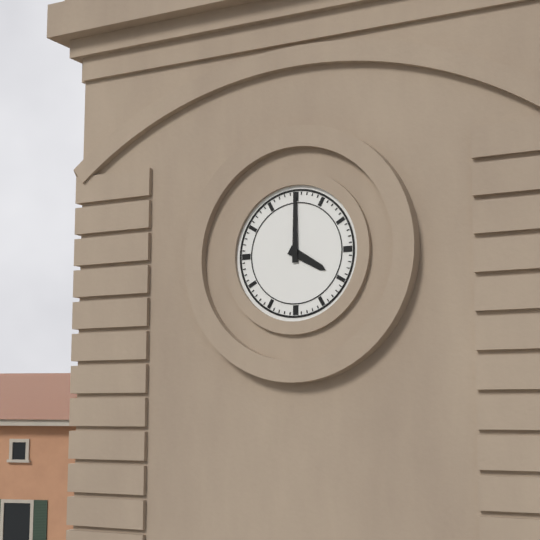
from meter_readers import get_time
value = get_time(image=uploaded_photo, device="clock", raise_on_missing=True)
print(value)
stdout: 4:00
